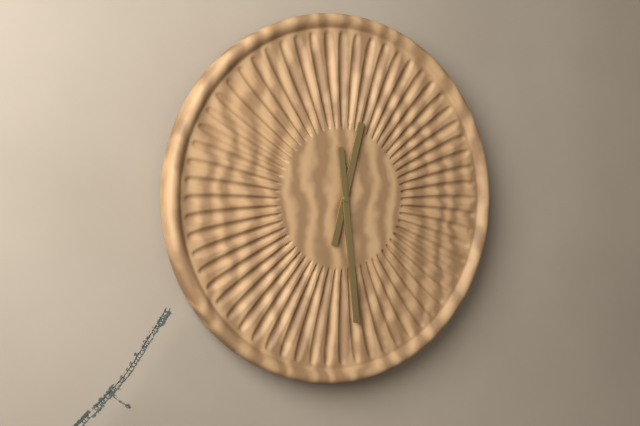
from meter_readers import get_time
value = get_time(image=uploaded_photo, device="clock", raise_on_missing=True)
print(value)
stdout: 12:29
